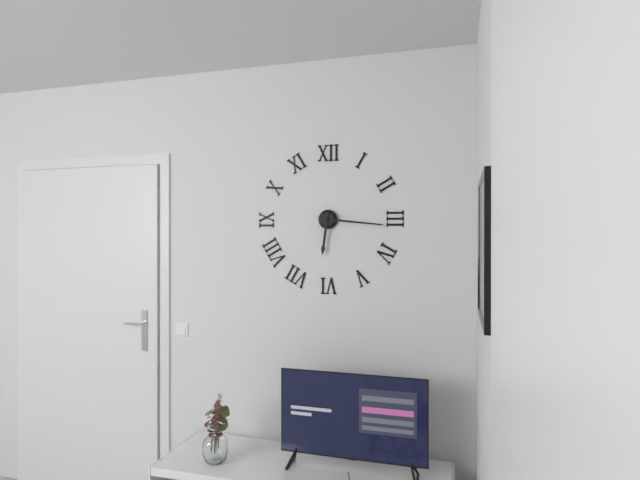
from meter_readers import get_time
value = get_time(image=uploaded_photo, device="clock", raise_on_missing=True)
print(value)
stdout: 6:16
